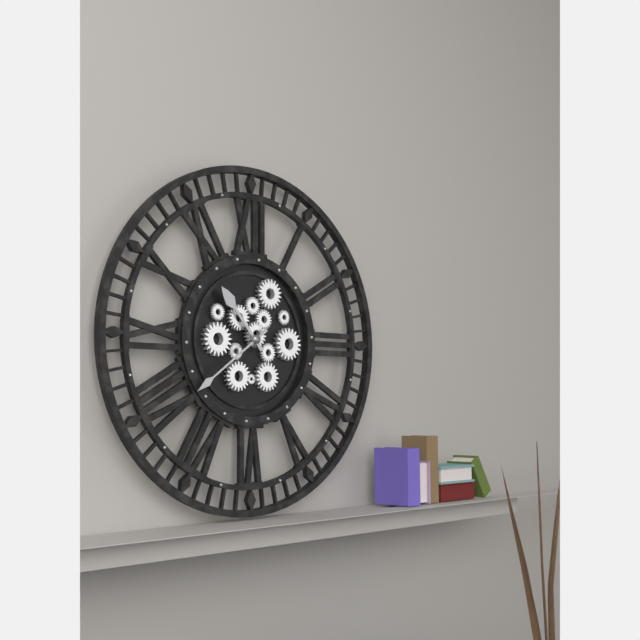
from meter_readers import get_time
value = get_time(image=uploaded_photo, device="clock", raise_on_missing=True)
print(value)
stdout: 10:39
